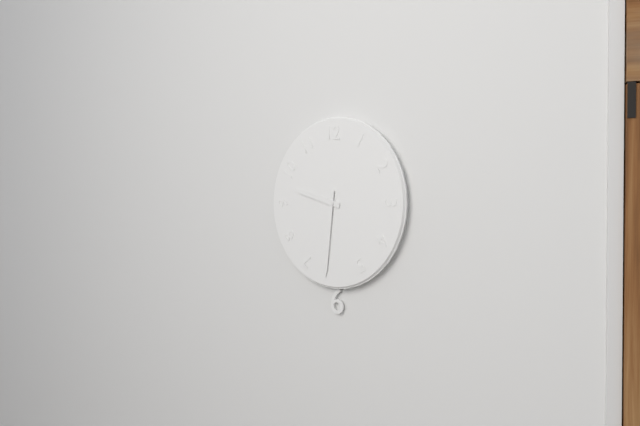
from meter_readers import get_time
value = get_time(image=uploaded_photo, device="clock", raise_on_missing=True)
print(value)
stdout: 9:31
